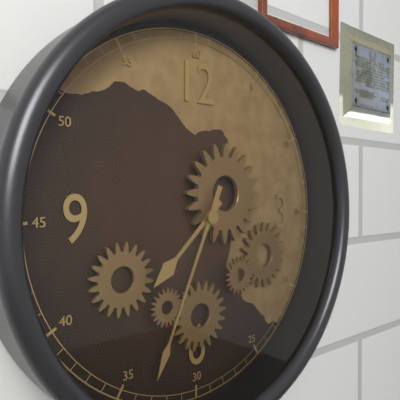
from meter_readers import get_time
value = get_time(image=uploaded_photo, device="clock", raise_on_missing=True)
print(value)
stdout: 7:34
